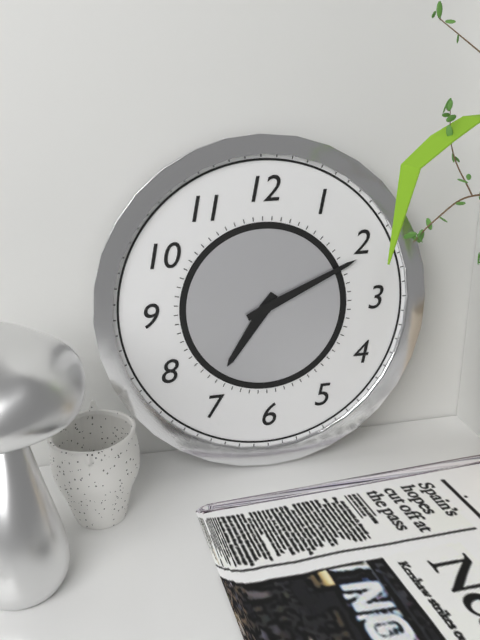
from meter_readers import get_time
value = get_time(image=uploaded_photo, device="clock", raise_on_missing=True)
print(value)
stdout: 7:11
